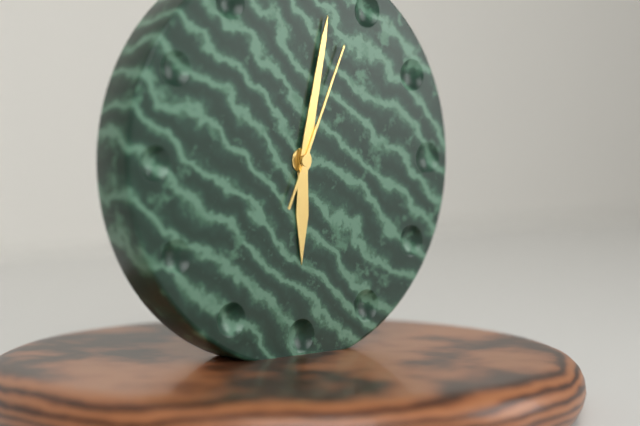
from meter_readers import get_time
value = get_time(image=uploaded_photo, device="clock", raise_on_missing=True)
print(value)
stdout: 6:02:04
